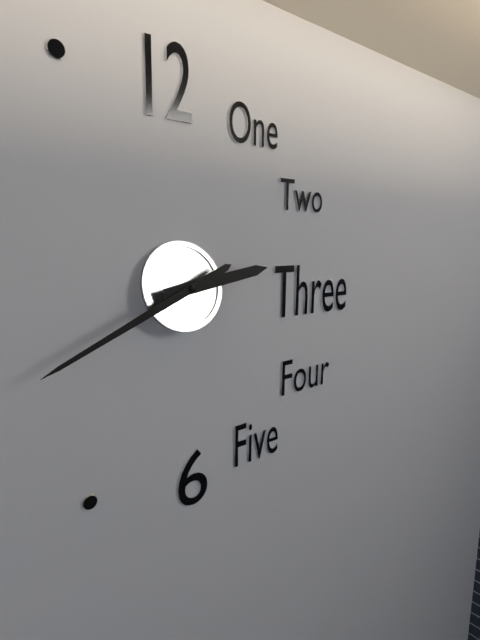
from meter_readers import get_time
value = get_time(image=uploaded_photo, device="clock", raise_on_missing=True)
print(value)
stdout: 2:41
